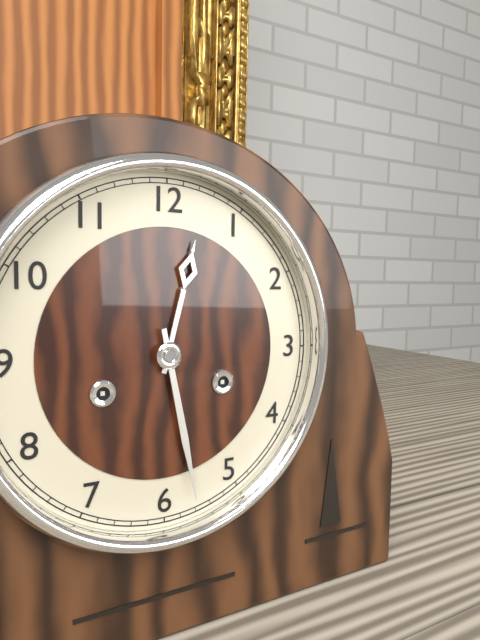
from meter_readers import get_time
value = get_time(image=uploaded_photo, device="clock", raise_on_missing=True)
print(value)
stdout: 12:28
